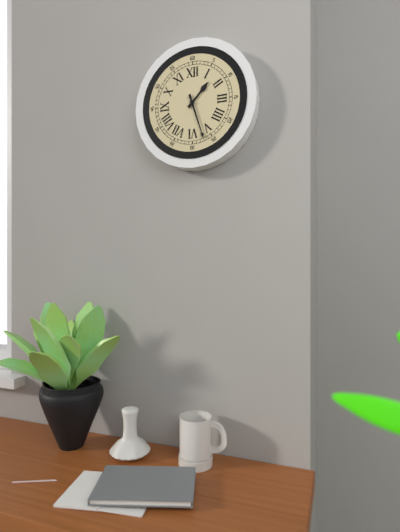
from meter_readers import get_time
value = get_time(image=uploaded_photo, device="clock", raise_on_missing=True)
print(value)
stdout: 1:27
